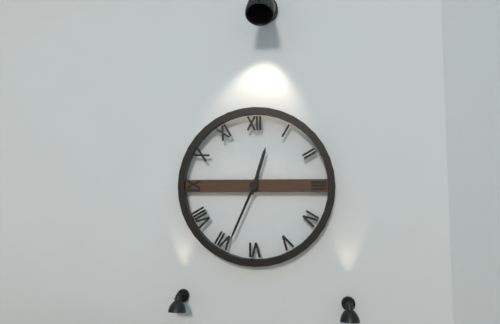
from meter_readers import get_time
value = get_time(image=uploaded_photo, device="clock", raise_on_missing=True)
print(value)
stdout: 12:34
